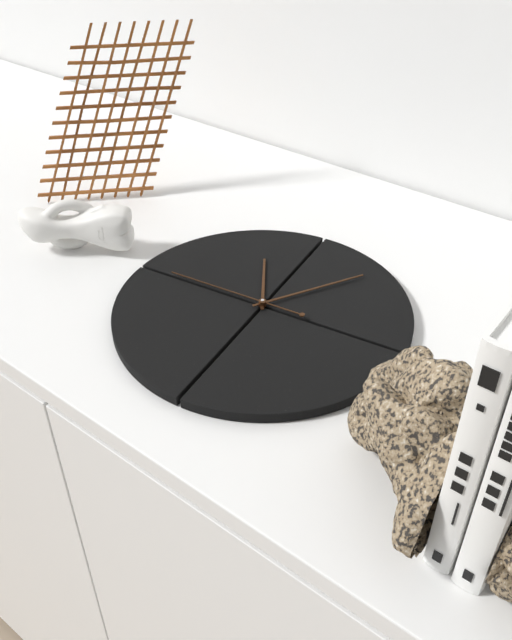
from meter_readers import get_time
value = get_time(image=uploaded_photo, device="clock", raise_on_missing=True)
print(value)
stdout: 11:06:45
